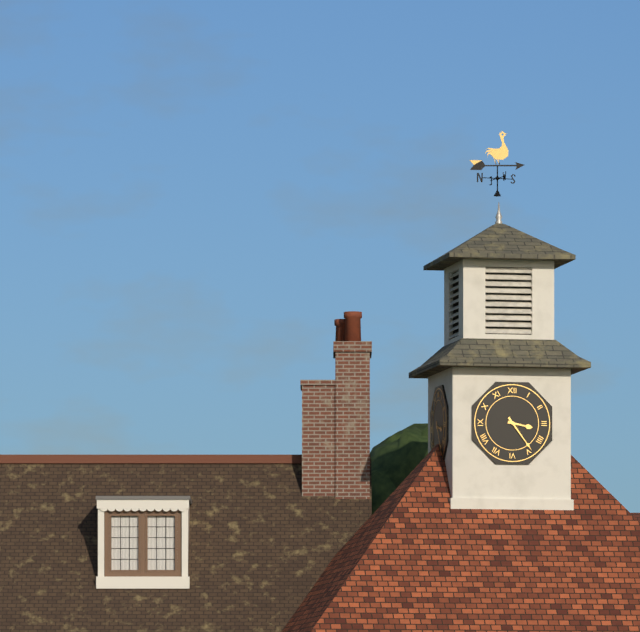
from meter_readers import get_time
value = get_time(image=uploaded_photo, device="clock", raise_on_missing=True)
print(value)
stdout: 3:24
